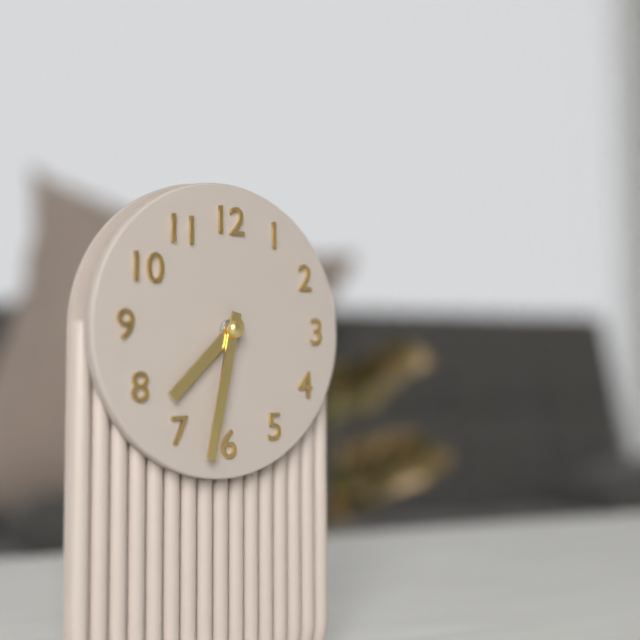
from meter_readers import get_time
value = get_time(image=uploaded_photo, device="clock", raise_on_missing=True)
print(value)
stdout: 7:32
